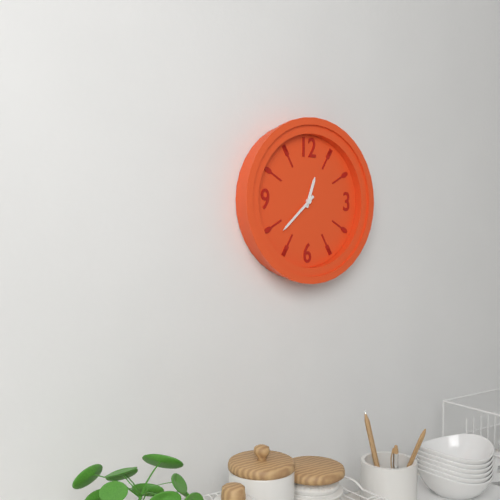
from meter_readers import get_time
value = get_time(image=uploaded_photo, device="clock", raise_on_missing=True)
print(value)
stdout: 12:38
